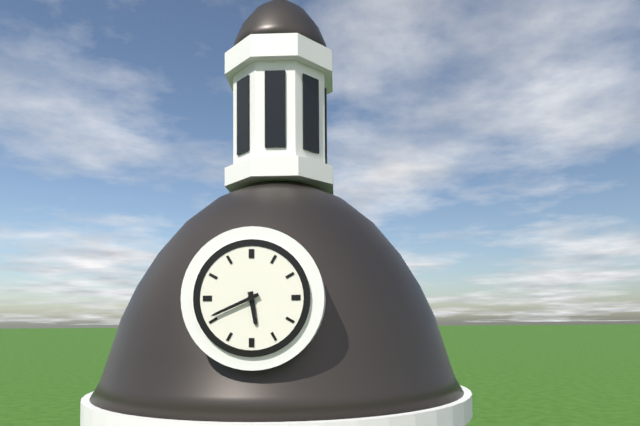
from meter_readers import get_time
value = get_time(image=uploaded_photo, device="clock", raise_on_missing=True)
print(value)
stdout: 5:41
